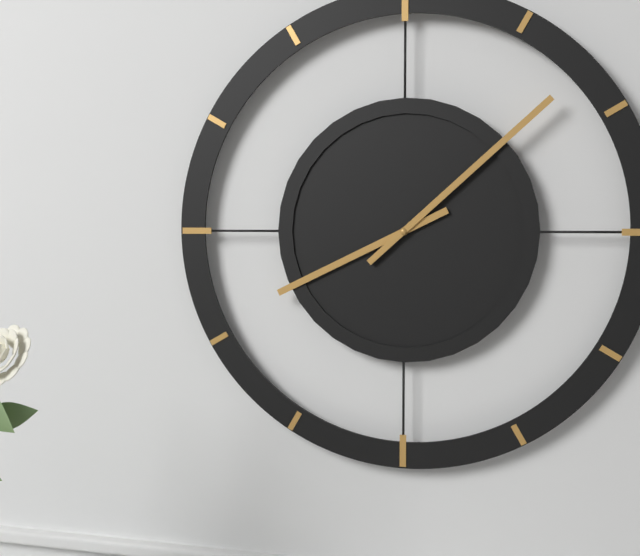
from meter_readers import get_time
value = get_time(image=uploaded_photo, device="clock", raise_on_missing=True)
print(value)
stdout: 8:08
